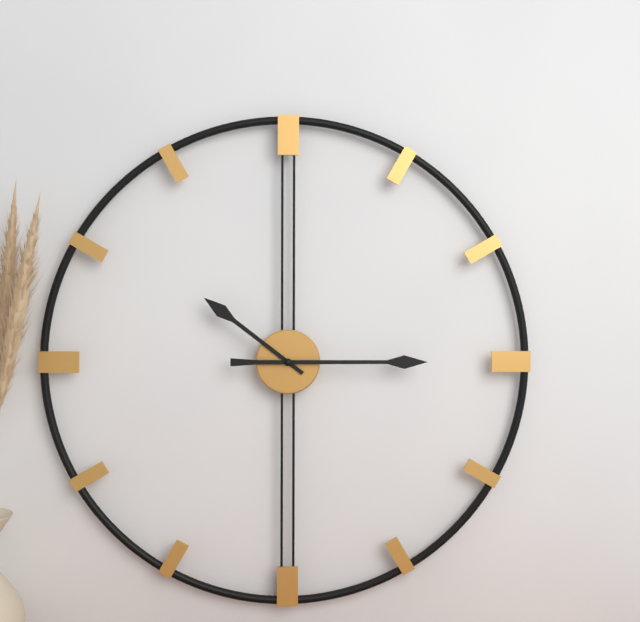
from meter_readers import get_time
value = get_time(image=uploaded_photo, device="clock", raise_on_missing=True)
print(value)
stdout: 10:15
